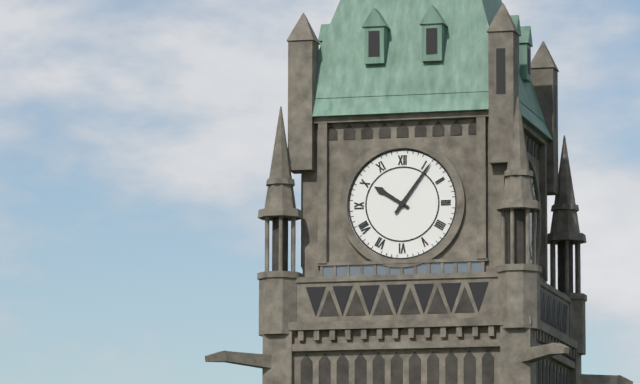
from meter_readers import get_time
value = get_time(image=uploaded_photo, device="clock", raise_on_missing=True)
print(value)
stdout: 10:06
